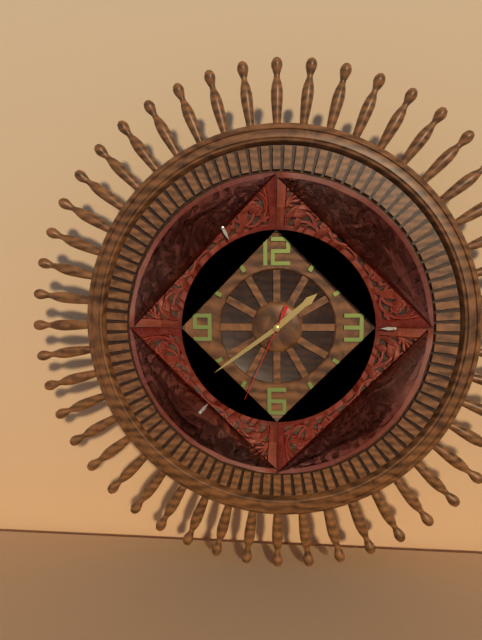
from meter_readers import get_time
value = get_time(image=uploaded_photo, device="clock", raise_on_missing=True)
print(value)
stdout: 1:39:34
